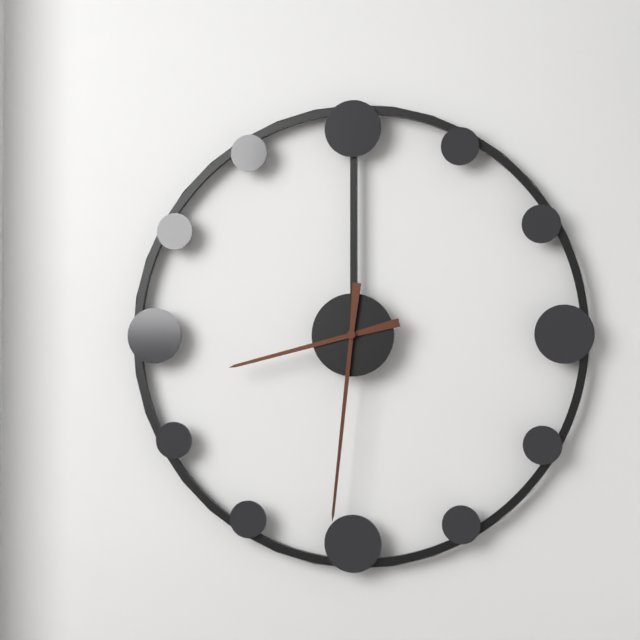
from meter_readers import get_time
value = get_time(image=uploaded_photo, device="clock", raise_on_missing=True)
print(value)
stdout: 8:31
